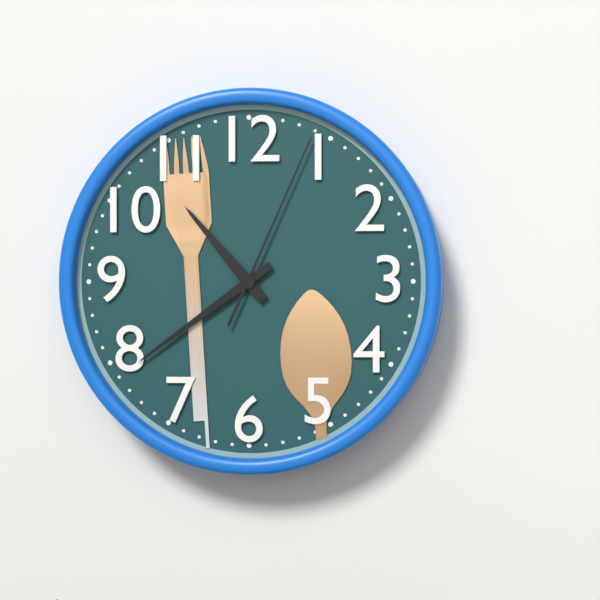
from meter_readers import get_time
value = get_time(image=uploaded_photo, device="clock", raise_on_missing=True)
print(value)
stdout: 10:39:04
